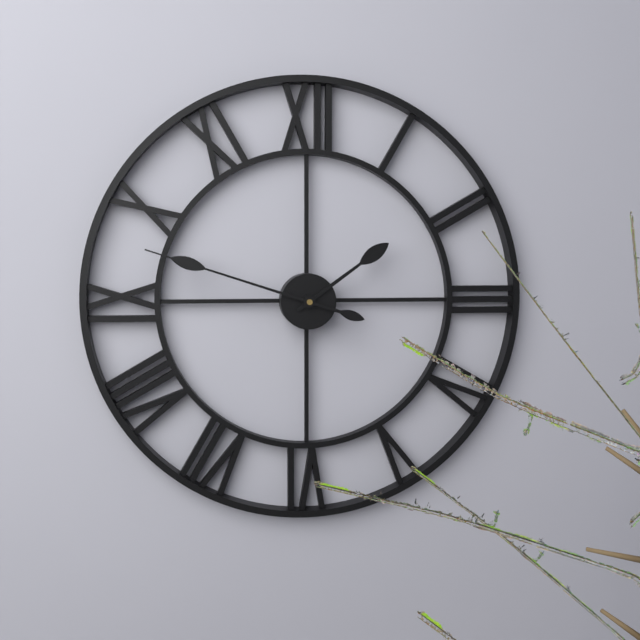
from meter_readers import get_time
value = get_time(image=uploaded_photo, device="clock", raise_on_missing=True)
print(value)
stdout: 1:48
